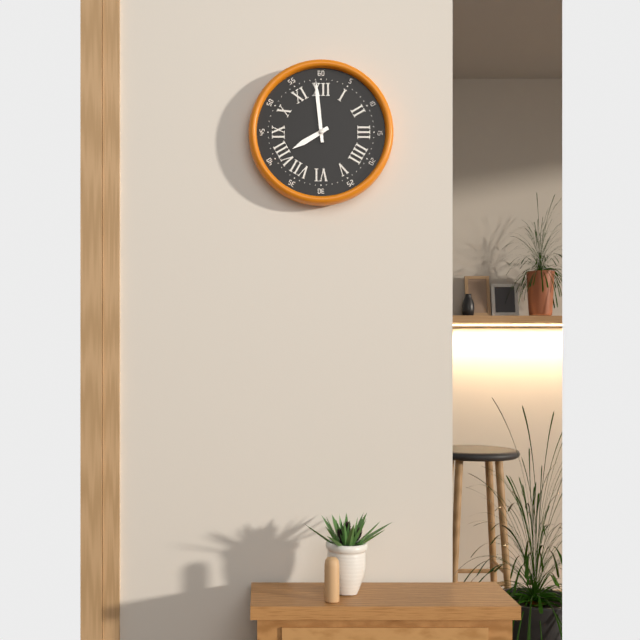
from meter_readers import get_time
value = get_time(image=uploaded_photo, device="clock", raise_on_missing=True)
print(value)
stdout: 7:59
